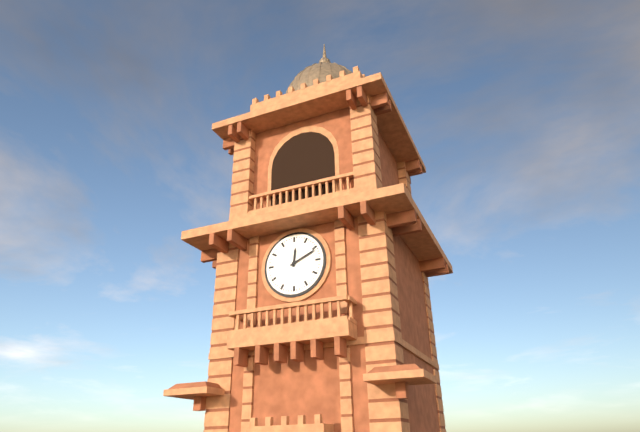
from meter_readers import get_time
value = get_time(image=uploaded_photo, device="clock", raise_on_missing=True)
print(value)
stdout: 12:11
